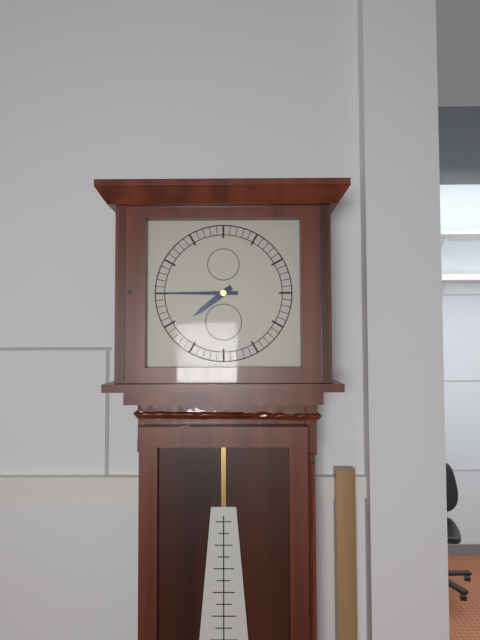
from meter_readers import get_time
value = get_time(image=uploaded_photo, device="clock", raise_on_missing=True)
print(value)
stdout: 7:45
